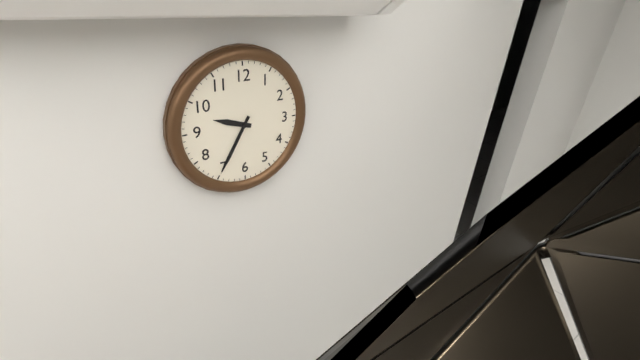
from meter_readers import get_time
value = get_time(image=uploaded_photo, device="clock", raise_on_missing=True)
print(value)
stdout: 9:35
